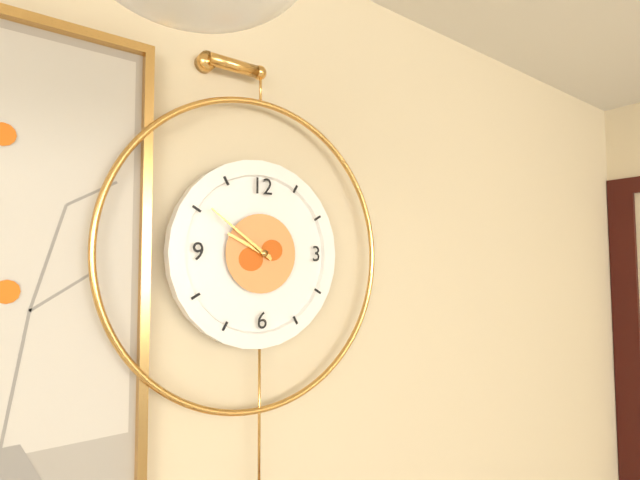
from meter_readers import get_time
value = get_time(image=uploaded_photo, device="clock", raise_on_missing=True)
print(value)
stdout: 9:51
